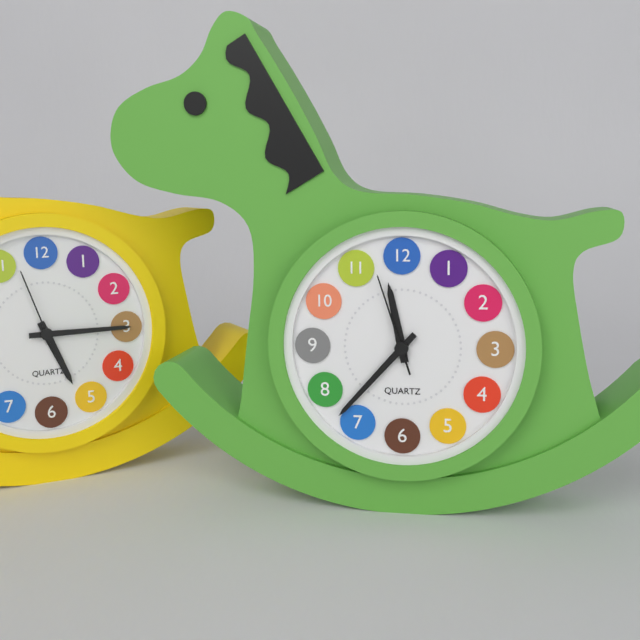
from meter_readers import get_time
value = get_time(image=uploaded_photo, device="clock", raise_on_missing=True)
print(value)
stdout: 11:37:57
